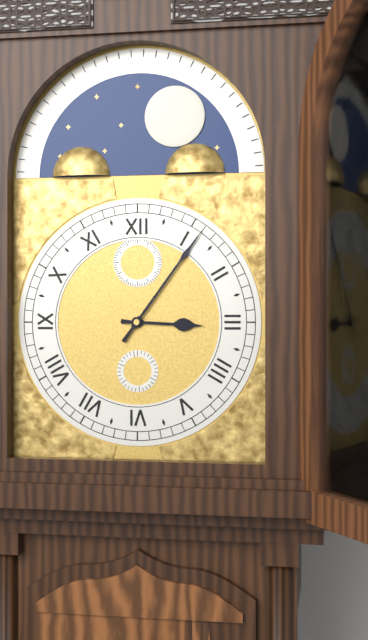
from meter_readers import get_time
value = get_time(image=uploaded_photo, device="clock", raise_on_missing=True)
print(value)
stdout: 3:06
